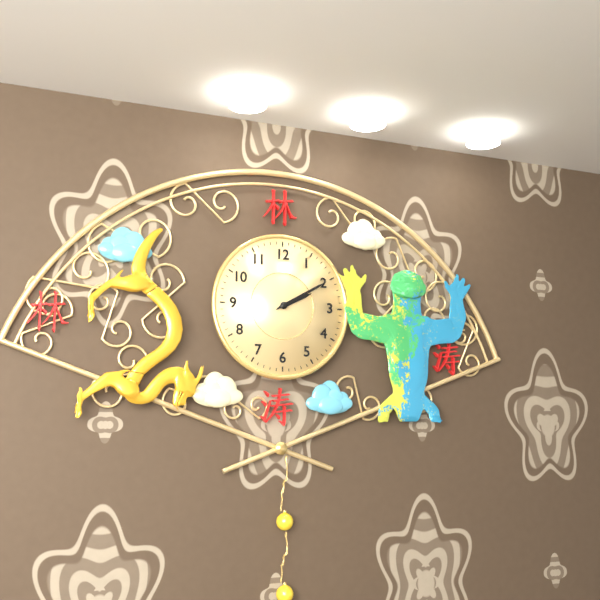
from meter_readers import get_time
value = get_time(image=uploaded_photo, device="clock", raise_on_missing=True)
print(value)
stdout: 2:10
